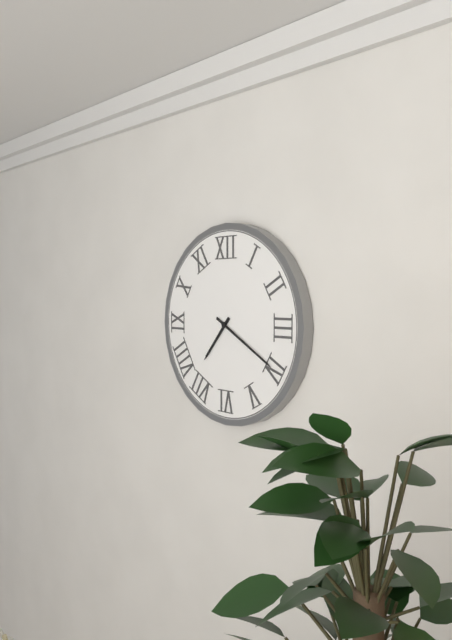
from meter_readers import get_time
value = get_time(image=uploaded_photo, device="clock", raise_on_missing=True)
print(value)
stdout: 7:20
